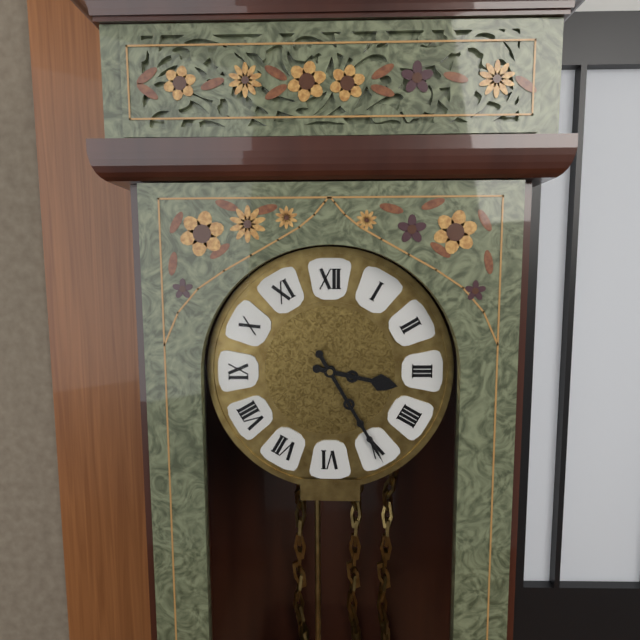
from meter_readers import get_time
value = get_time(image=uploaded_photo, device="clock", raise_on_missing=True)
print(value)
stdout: 3:25
